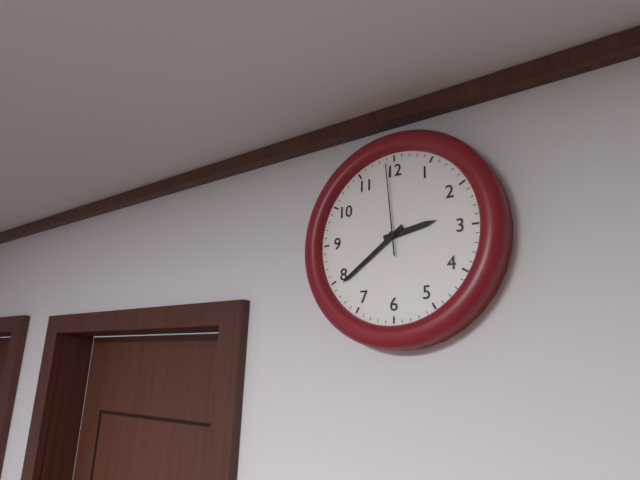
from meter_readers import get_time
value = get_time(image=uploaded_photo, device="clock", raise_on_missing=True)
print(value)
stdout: 2:39:59
